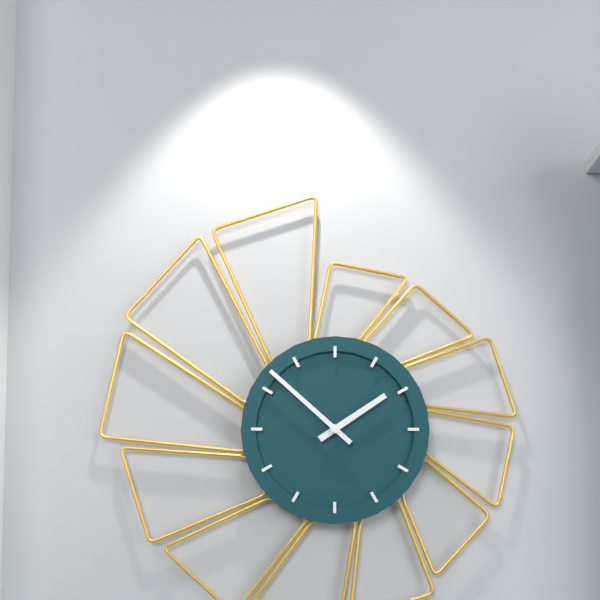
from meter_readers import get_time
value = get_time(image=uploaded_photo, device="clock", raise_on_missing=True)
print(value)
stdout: 1:52
